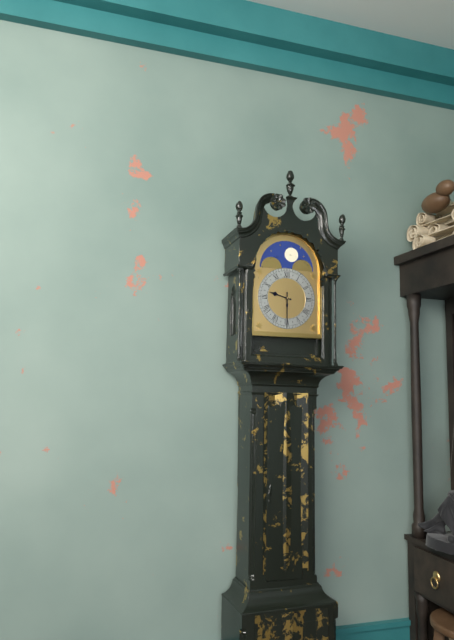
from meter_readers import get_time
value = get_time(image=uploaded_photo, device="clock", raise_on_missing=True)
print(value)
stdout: 9:30
